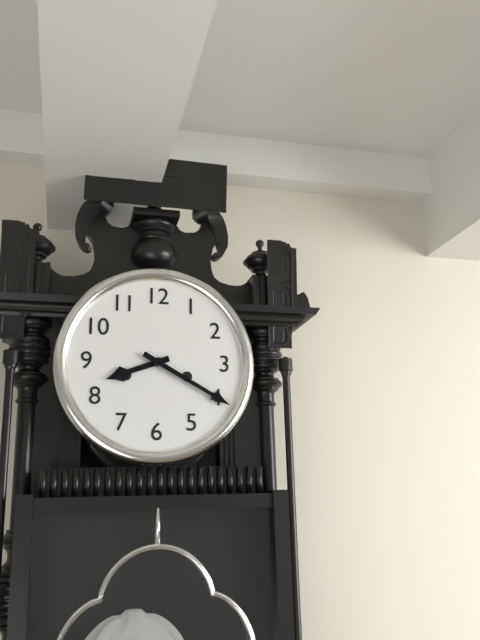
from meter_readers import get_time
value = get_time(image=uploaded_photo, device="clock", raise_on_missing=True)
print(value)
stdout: 8:20
